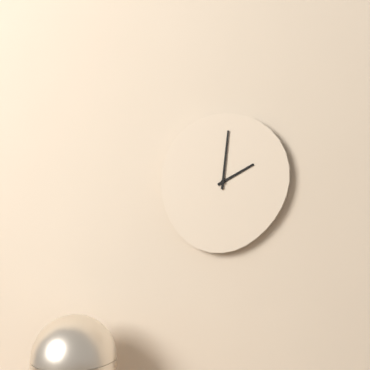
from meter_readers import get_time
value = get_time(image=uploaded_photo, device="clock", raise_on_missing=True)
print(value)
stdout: 2:01
